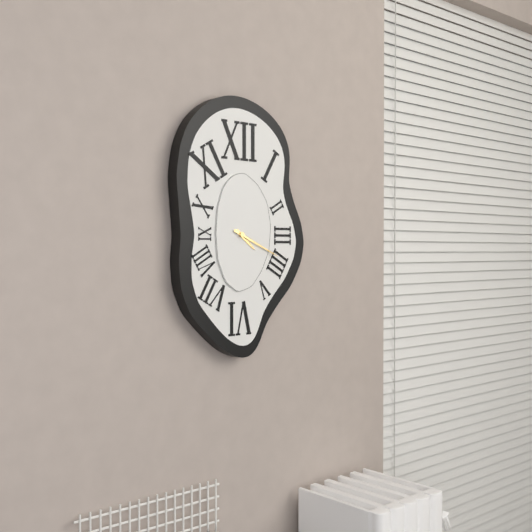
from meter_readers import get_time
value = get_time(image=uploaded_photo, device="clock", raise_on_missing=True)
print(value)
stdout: 4:19
